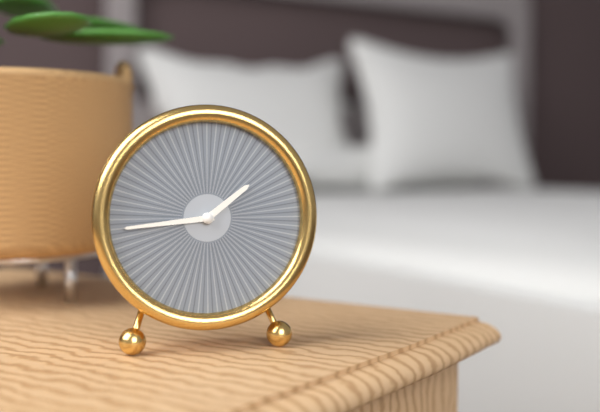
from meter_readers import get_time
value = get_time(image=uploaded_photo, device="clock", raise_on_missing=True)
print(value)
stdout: 1:44
